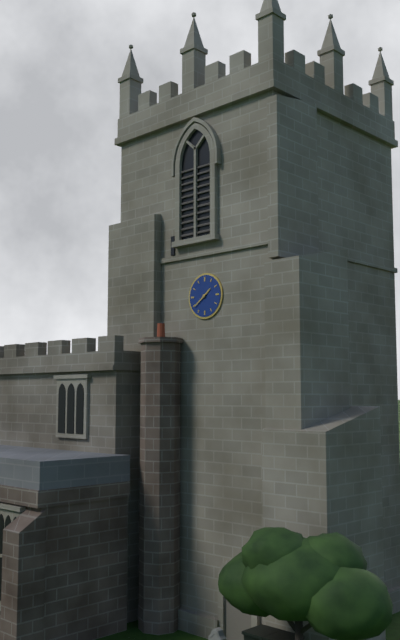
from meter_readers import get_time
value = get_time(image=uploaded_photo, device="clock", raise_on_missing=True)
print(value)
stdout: 1:39
